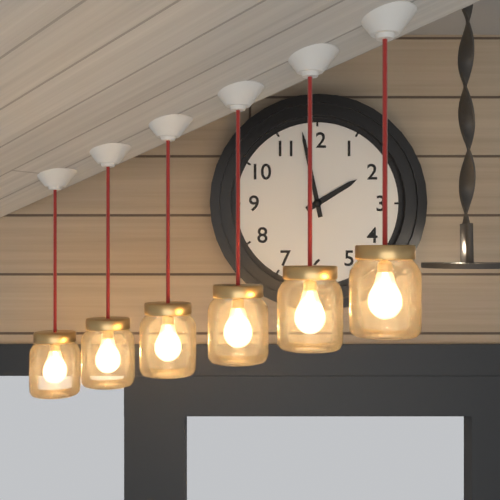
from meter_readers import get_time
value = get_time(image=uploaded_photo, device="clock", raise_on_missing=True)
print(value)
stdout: 1:58
